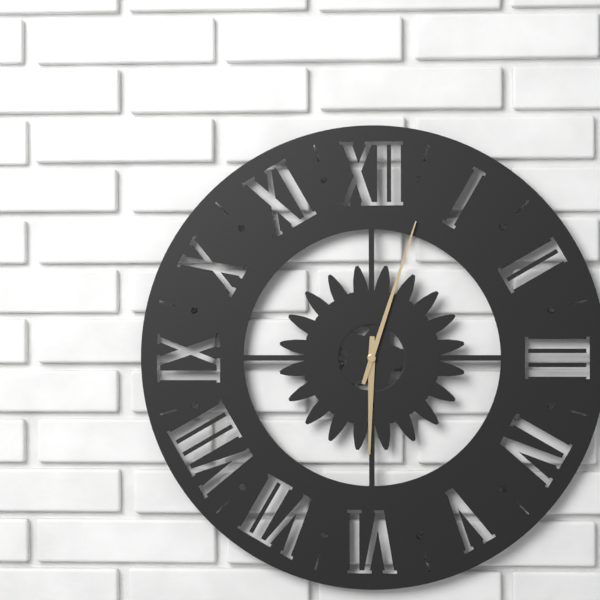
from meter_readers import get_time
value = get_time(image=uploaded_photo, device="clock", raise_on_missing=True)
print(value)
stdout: 6:03
